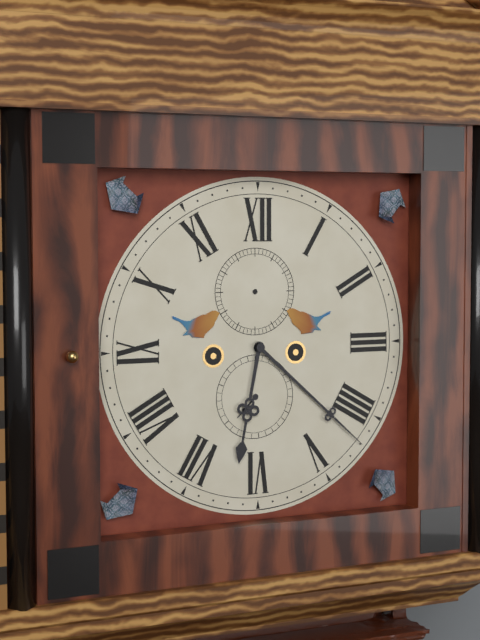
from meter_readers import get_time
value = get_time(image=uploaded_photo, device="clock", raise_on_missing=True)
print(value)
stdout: 6:22
